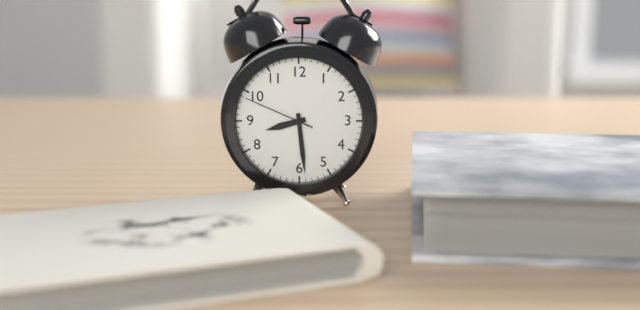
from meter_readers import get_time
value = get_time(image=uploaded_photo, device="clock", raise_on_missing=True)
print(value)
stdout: 8:29:49
